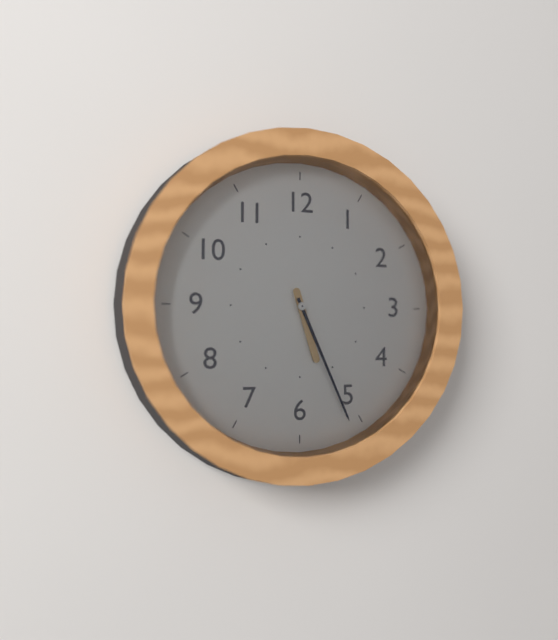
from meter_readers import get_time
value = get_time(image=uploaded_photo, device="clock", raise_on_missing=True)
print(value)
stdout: 5:26
